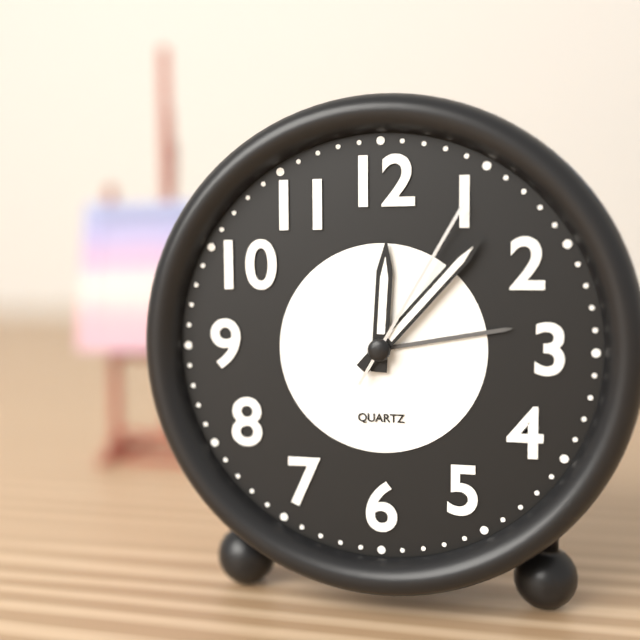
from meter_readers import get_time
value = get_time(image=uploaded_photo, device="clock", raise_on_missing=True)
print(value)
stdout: 12:07:05
